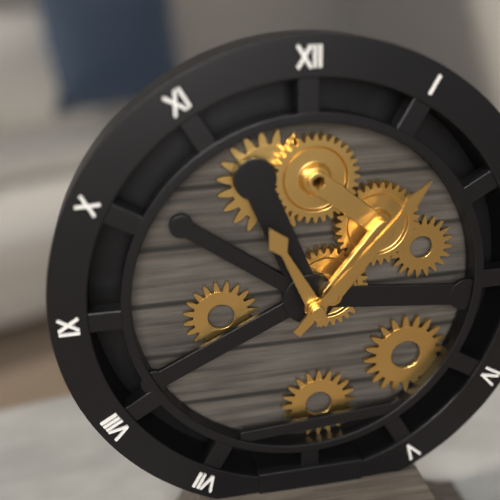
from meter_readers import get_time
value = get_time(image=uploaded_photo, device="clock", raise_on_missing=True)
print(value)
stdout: 11:07
